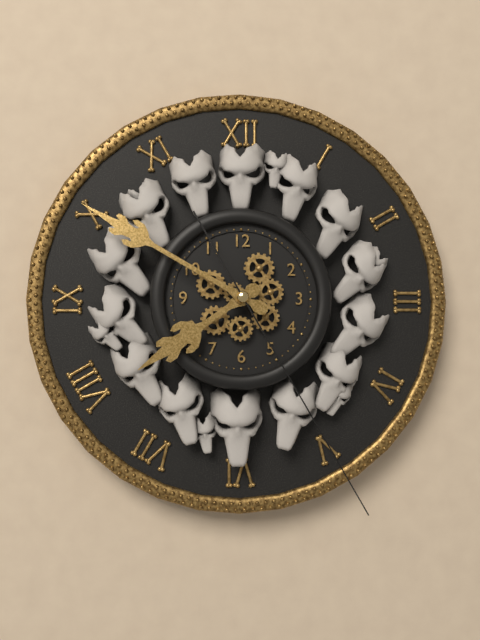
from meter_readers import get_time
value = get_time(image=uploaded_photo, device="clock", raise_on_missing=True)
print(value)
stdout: 7:50:25
